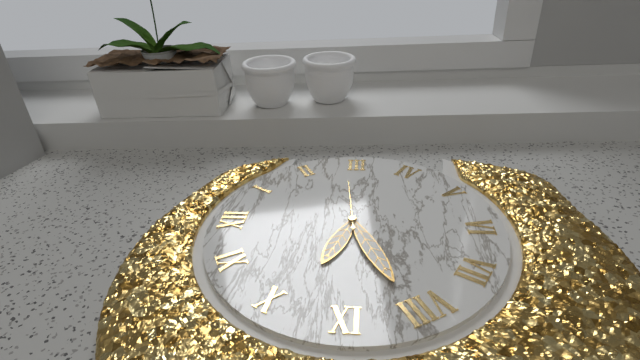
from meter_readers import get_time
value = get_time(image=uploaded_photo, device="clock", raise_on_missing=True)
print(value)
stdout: 9:41:14
